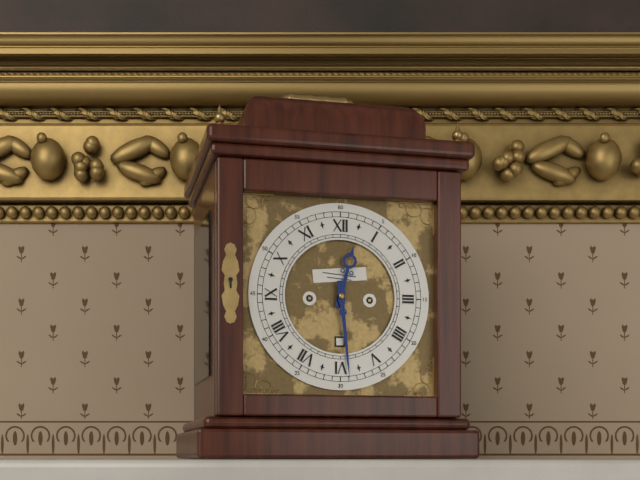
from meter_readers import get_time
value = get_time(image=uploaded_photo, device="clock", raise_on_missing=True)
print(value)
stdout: 12:29
